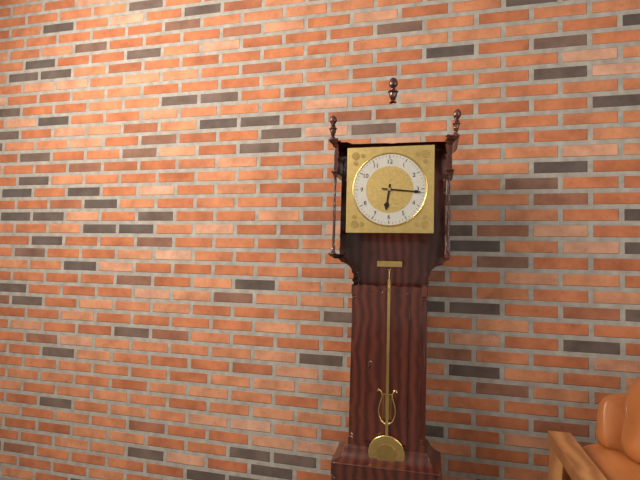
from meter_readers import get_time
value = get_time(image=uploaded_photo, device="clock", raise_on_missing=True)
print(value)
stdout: 6:16
